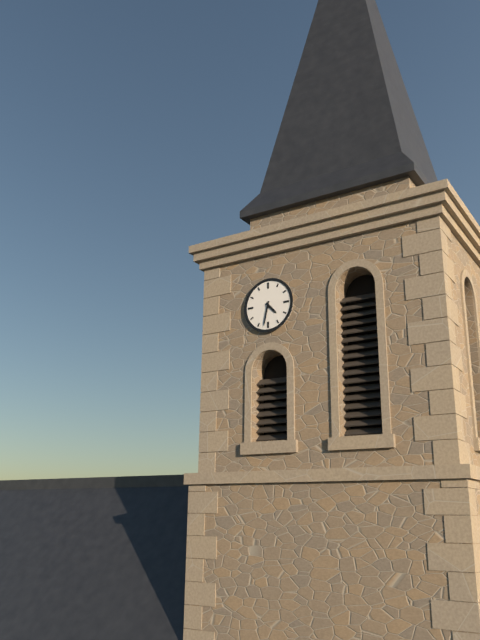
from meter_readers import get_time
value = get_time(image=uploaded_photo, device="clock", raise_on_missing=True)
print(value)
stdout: 4:32
